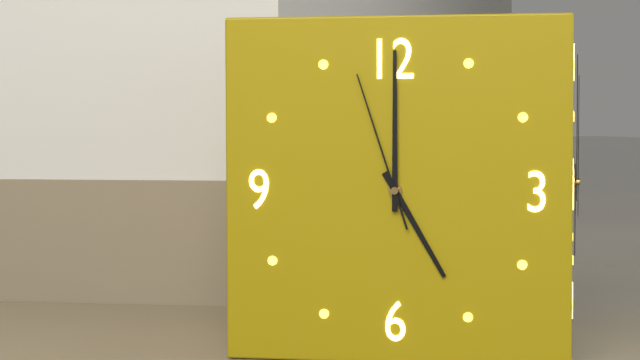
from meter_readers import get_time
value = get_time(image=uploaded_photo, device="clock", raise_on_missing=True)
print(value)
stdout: 5:00:57
